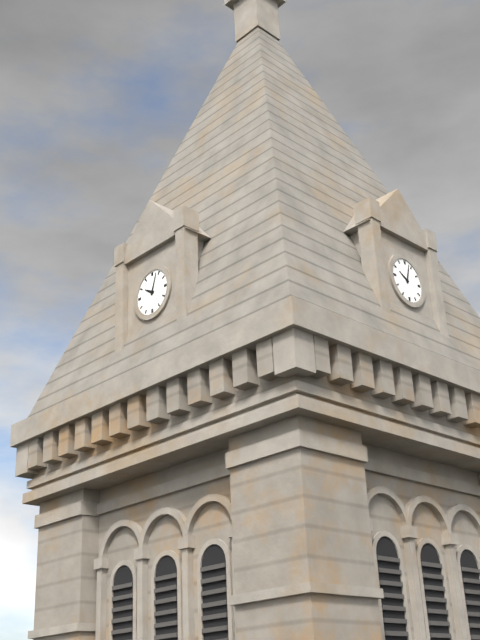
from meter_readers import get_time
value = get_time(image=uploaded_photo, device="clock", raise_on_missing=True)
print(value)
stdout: 10:03
